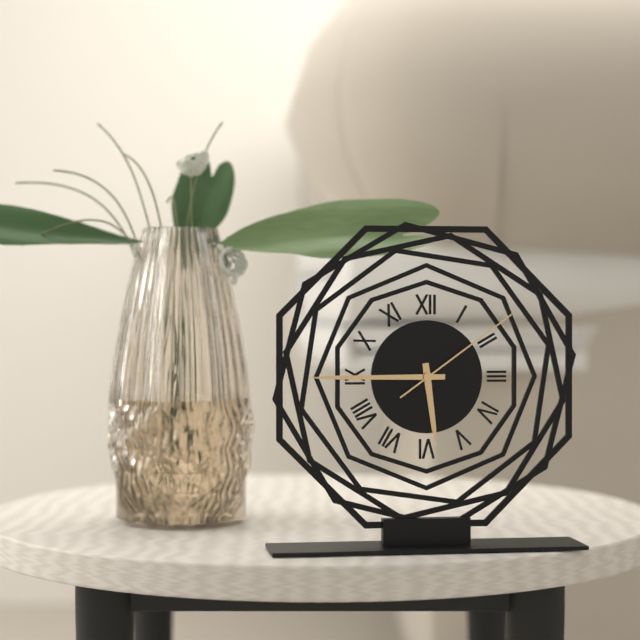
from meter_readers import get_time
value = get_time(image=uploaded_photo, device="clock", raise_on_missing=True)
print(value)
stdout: 5:45:09
